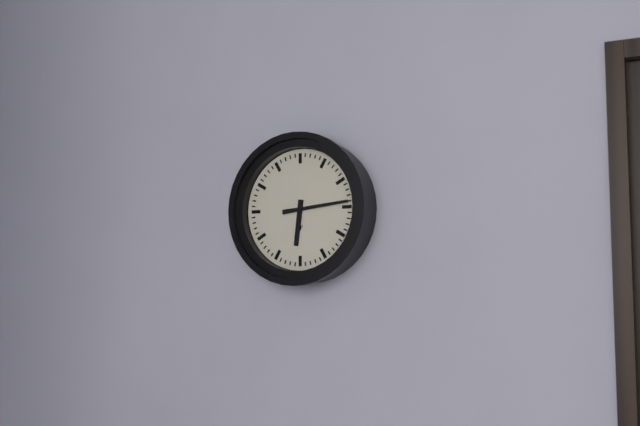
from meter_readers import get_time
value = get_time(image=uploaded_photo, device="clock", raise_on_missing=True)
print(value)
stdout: 6:14
